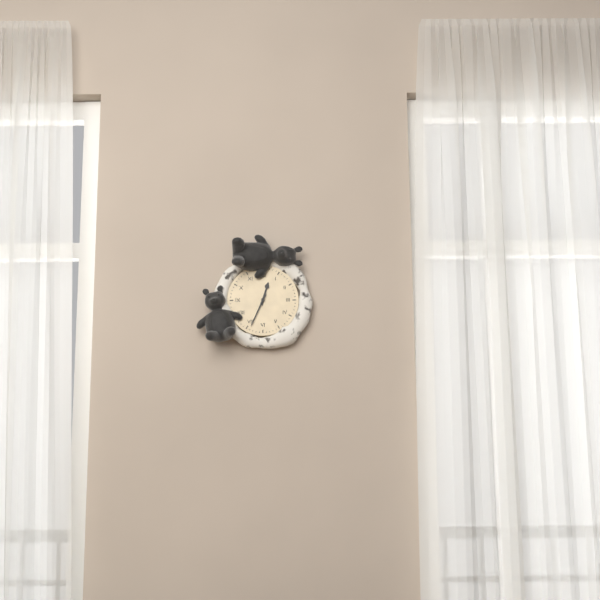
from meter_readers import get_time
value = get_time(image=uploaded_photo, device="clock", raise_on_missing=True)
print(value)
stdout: 12:34
